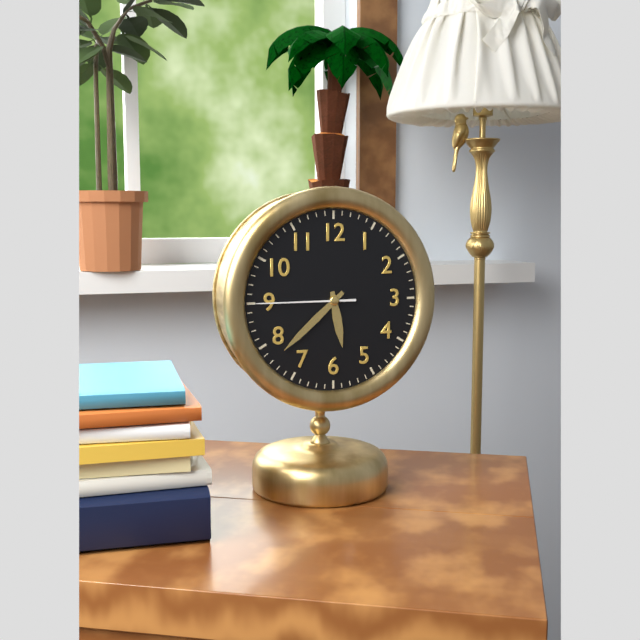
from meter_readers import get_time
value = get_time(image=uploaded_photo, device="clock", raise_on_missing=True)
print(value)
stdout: 5:38:45
